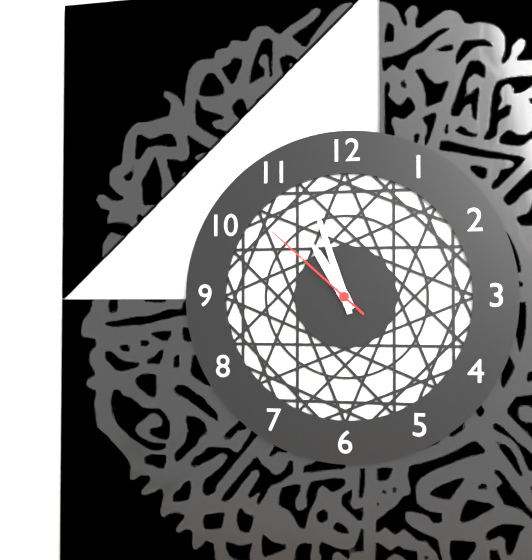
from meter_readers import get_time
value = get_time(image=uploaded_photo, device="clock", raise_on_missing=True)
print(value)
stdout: 10:57:52
